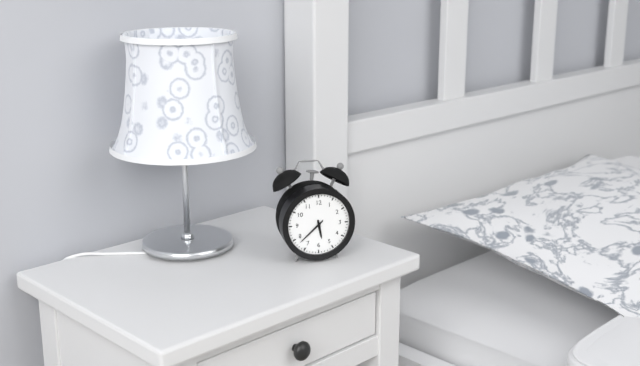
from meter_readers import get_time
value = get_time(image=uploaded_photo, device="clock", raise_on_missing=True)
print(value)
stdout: 5:38
